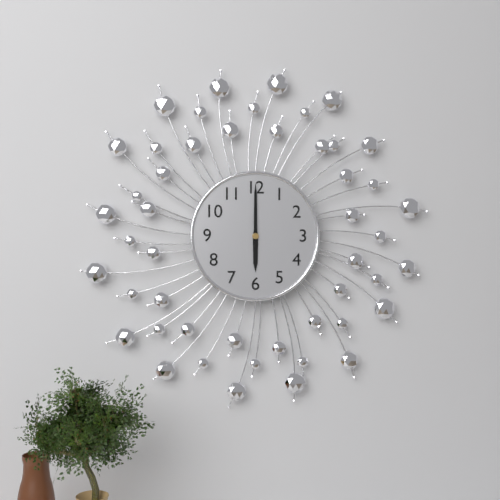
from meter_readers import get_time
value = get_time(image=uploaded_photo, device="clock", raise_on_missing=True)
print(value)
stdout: 6:00
